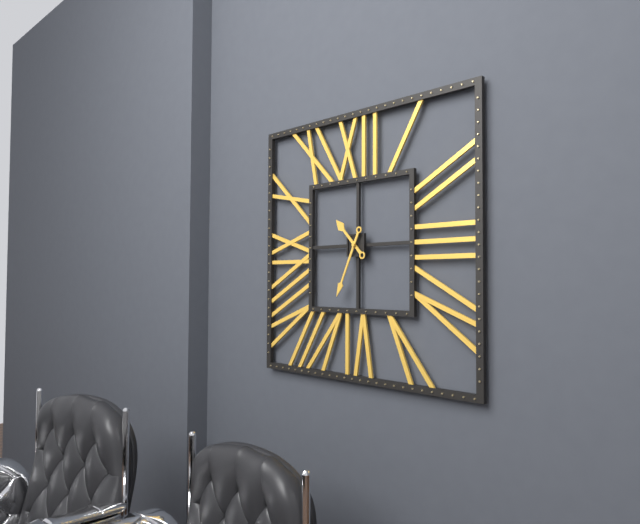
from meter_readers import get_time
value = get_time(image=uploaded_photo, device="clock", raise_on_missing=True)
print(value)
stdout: 10:34
